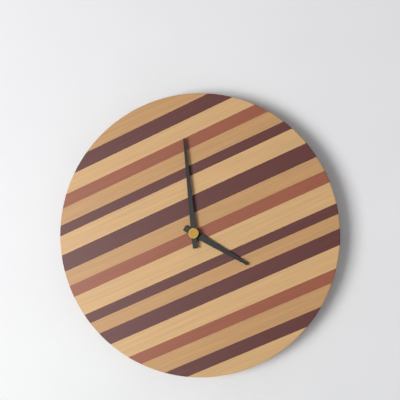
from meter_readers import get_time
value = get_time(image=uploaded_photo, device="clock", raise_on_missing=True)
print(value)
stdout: 3:59
